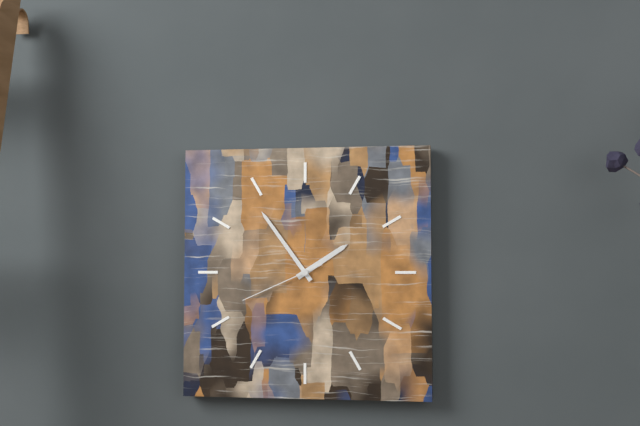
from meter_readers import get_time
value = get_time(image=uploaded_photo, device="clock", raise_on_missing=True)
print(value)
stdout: 1:54:41
